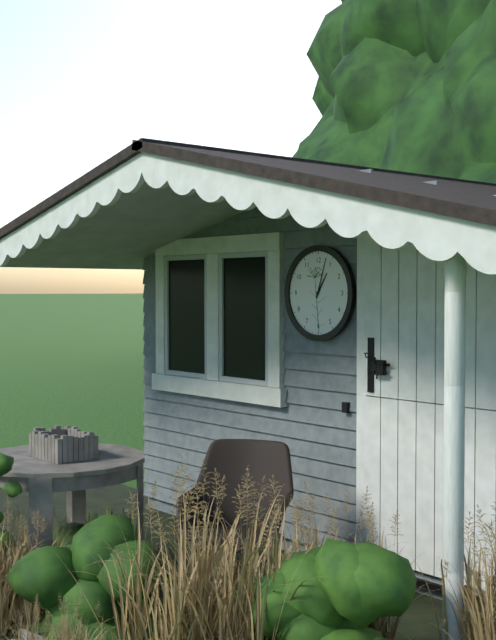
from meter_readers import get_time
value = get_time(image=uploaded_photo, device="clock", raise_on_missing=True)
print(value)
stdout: 1:03
